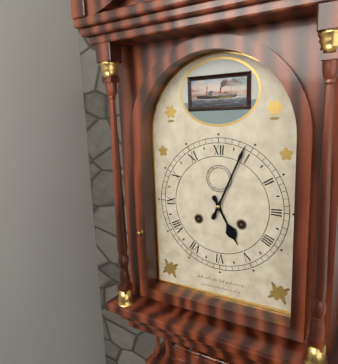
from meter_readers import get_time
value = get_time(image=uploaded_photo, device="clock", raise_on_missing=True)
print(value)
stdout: 5:04
